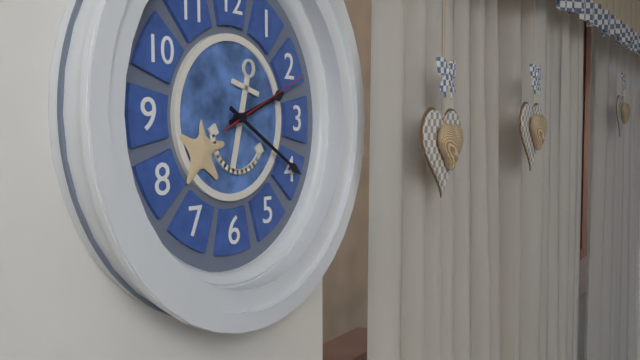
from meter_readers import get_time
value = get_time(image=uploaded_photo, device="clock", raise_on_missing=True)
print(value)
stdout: 2:20:11
